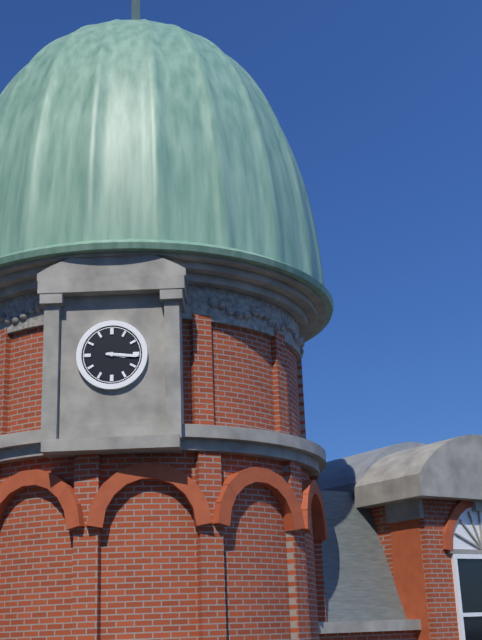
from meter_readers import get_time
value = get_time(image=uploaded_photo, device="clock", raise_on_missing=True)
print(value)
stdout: 3:16
